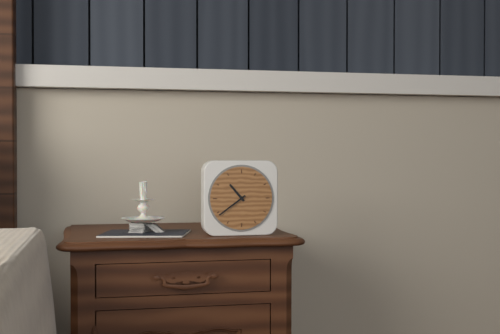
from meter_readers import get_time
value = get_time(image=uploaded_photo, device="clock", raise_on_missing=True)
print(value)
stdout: 10:39
